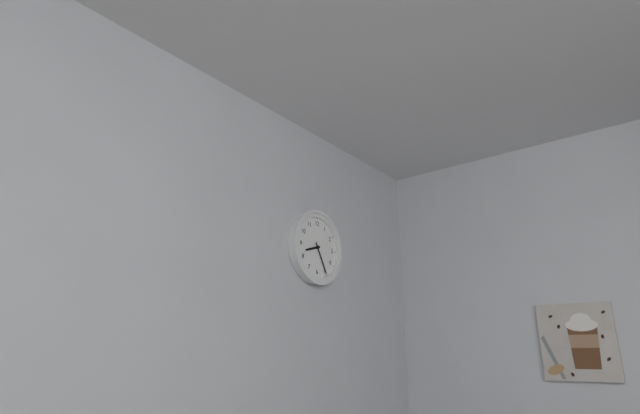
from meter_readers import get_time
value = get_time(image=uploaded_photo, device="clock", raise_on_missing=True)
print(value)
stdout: 8:25
